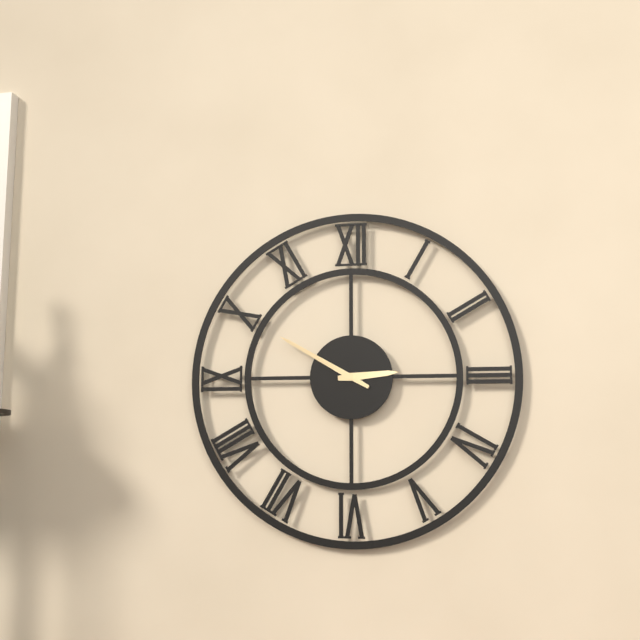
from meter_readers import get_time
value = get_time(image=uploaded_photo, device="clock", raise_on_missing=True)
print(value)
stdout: 2:50
